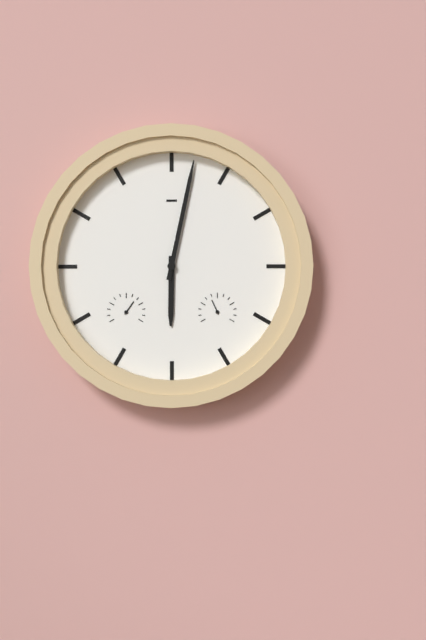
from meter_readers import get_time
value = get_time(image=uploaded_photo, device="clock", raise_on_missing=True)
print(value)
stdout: 6:02
